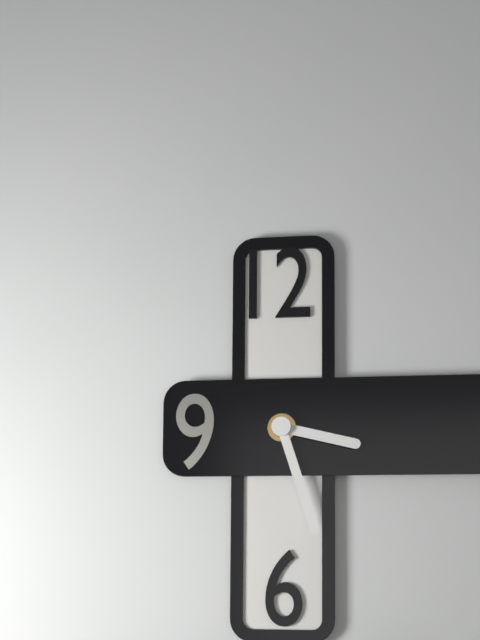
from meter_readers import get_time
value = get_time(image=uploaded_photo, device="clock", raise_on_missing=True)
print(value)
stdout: 3:27
